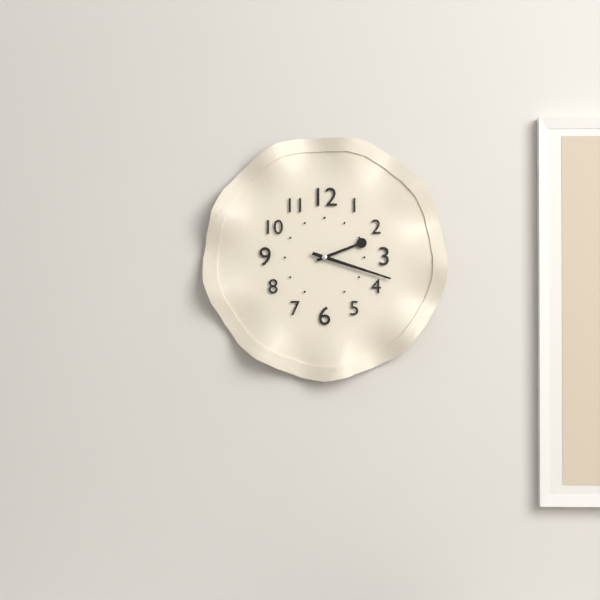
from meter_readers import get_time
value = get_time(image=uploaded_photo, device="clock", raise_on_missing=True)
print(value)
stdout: 2:18
